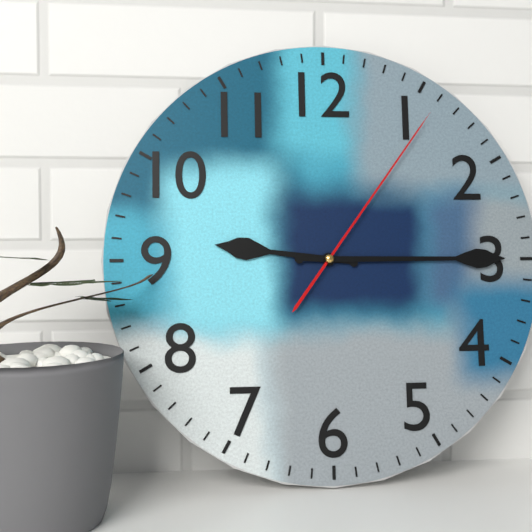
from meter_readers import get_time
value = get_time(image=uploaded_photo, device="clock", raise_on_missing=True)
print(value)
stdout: 9:15:06
